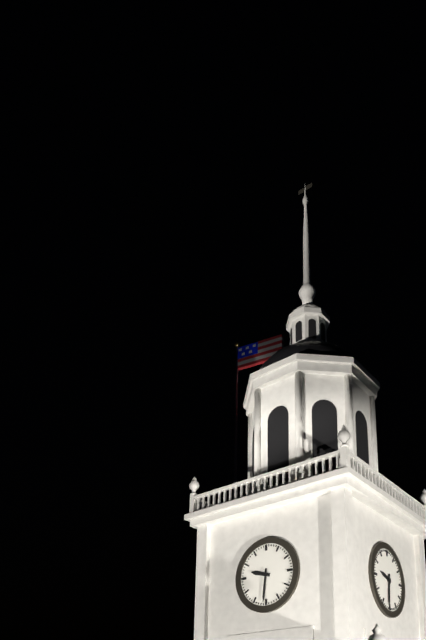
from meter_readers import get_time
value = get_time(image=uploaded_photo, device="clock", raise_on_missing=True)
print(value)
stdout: 9:31
